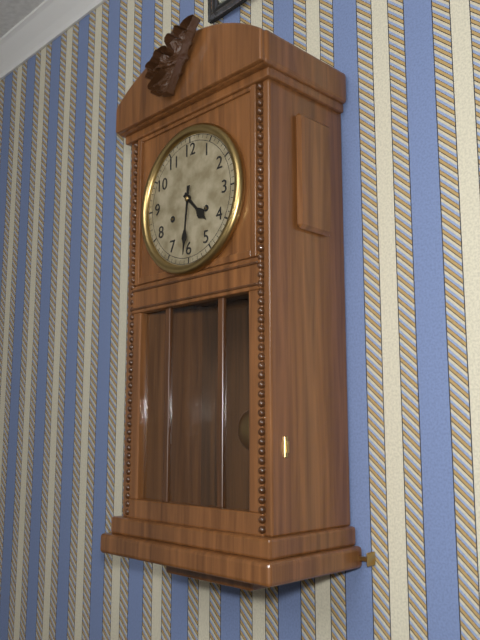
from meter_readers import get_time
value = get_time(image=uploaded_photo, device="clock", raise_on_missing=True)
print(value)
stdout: 4:31
